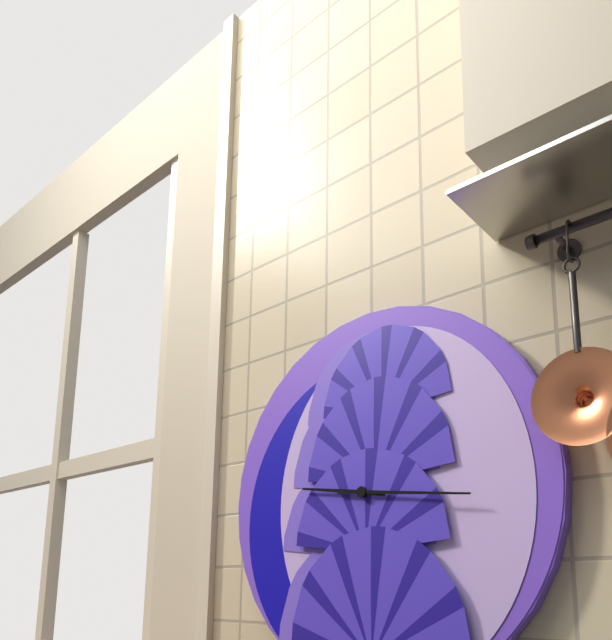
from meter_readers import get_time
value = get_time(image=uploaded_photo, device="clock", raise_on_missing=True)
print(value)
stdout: 9:16
